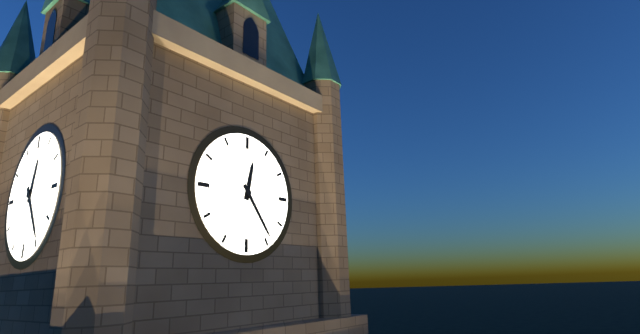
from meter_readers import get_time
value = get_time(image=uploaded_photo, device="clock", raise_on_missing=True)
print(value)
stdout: 12:24
